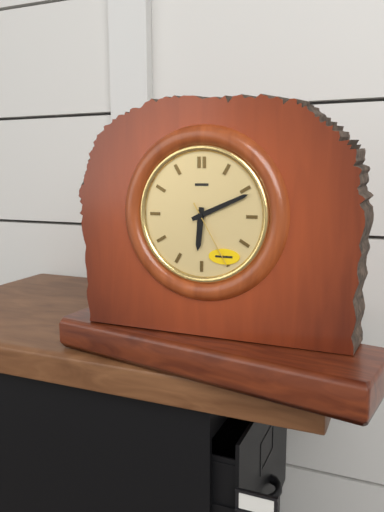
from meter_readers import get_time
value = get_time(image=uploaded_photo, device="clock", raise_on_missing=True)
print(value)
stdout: 6:11:25
